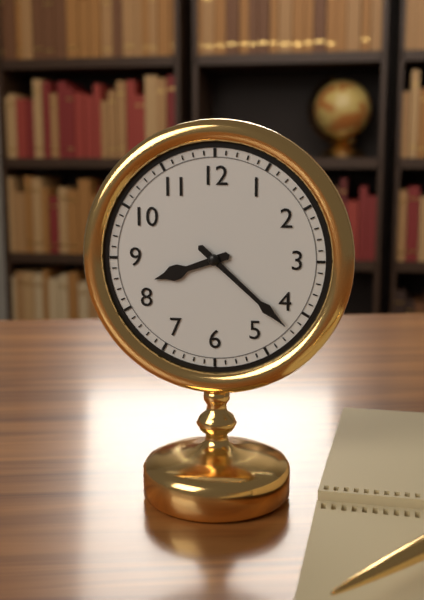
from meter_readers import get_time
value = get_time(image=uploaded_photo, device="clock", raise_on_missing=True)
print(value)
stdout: 8:22
